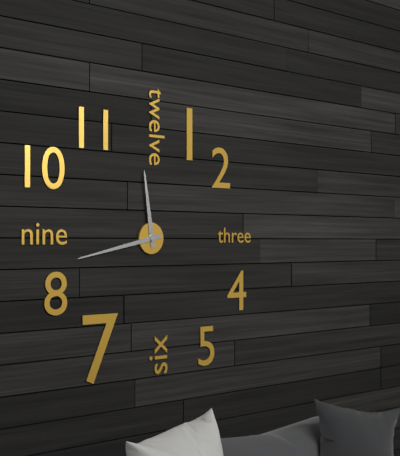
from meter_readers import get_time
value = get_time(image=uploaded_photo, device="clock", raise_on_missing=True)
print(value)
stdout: 11:43
